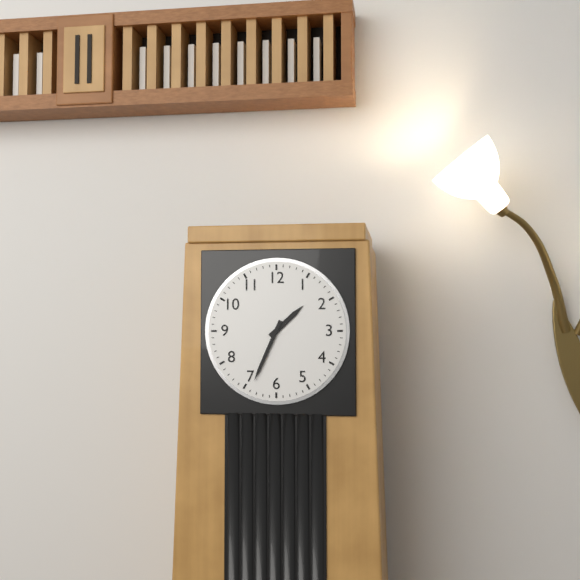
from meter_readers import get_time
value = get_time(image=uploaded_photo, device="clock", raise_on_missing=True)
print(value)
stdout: 1:34
